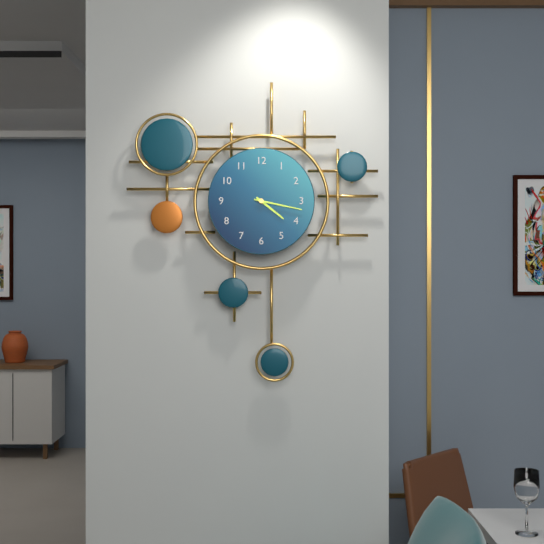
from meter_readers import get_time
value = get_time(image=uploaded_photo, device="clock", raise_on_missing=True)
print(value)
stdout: 4:17
